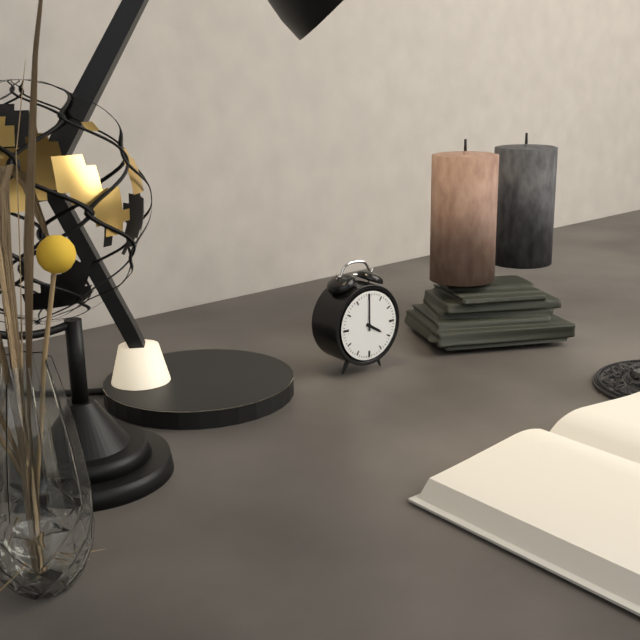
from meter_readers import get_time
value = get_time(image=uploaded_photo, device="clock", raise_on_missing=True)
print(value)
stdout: 4:00
